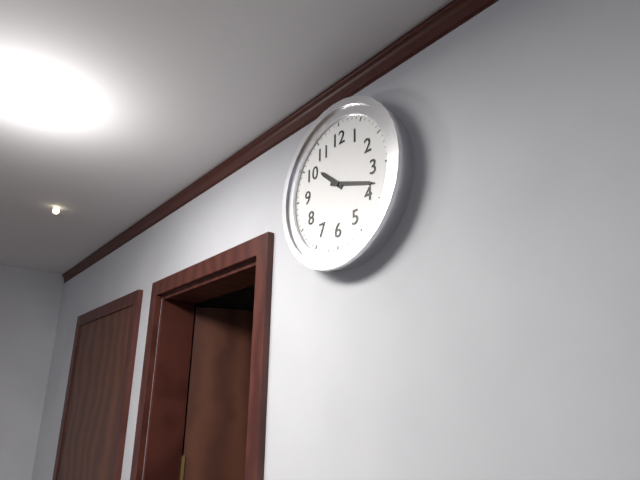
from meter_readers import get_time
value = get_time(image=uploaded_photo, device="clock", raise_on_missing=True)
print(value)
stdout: 10:18
